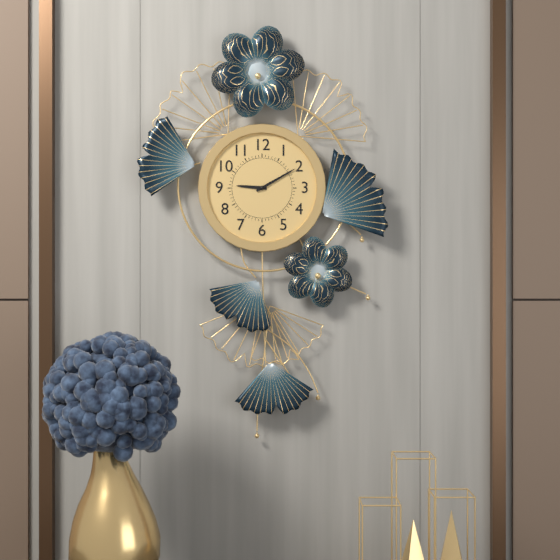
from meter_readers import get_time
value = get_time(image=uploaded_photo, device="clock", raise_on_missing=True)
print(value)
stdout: 9:10
